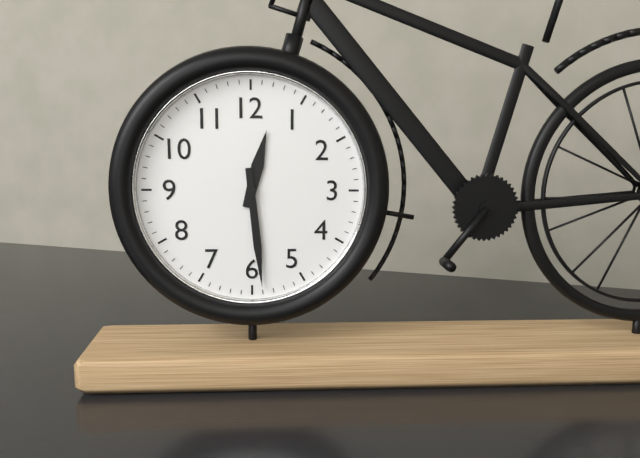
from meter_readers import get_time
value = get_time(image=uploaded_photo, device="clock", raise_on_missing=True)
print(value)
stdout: 12:29
